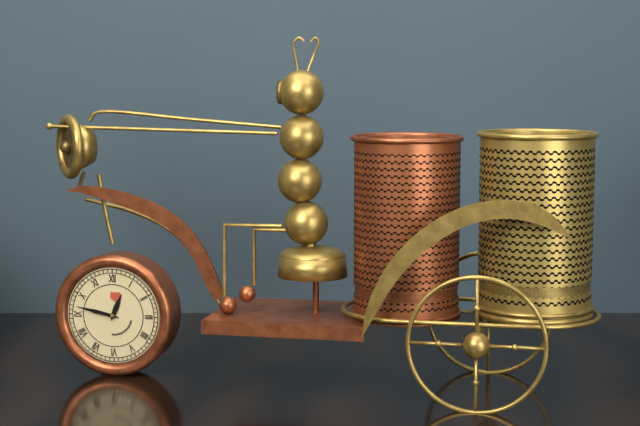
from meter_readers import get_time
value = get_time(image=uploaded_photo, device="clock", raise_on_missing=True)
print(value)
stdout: 12:47
